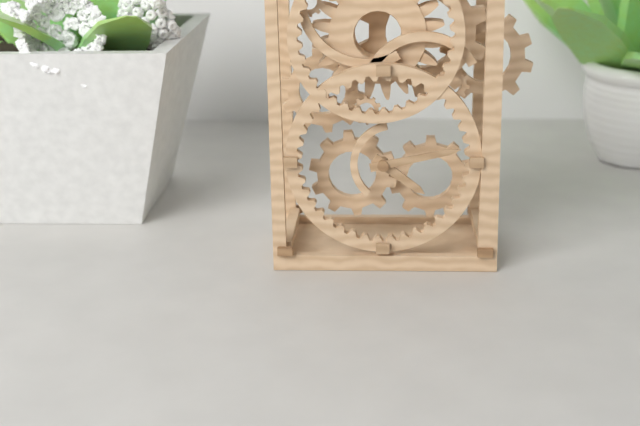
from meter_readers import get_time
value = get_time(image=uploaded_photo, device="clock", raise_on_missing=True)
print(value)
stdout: 4:13
